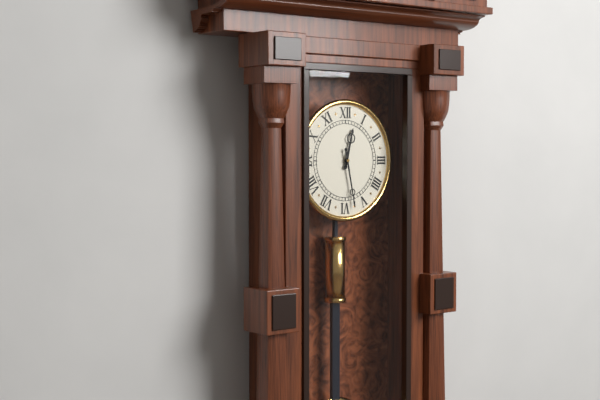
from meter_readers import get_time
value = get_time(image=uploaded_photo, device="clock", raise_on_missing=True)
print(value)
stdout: 12:28
